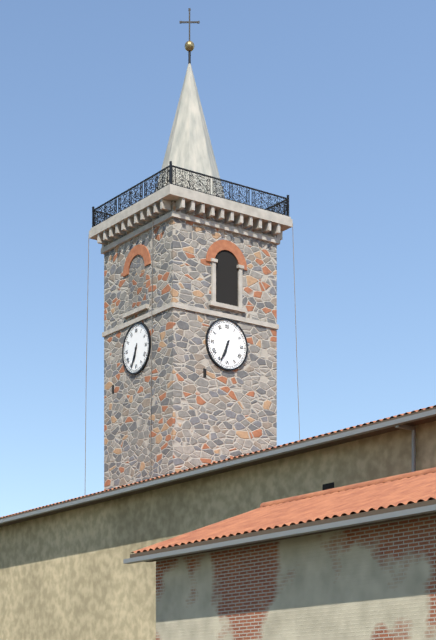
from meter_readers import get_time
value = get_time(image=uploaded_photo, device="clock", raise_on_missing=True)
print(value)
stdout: 6:34
